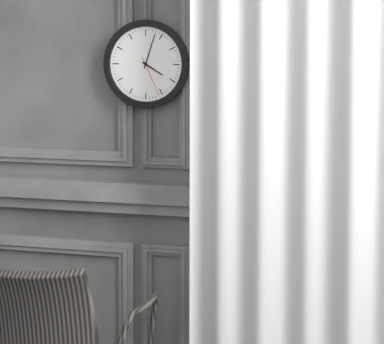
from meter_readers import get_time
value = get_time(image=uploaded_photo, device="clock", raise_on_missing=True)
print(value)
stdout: 4:03
